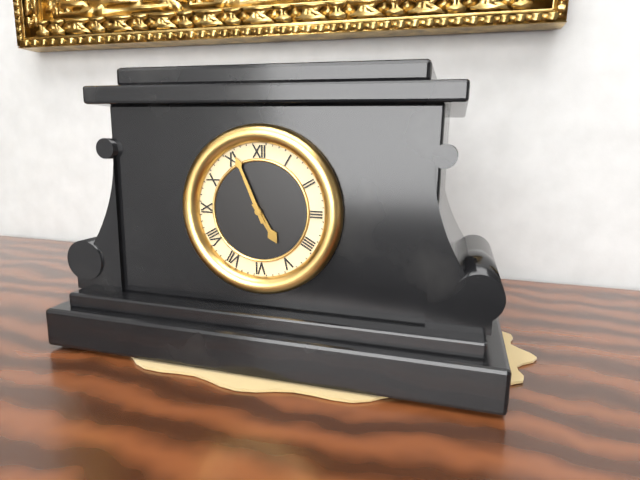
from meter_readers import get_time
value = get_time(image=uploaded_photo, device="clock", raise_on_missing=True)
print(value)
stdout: 4:56
